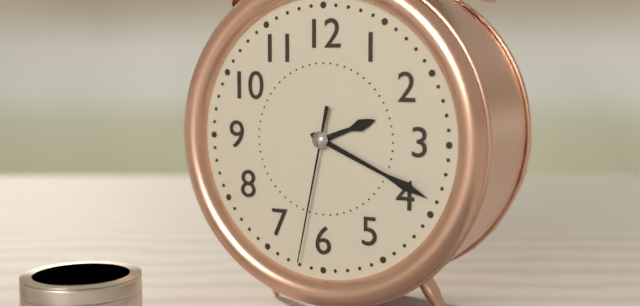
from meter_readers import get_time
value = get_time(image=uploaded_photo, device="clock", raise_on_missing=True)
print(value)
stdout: 2:19:32
